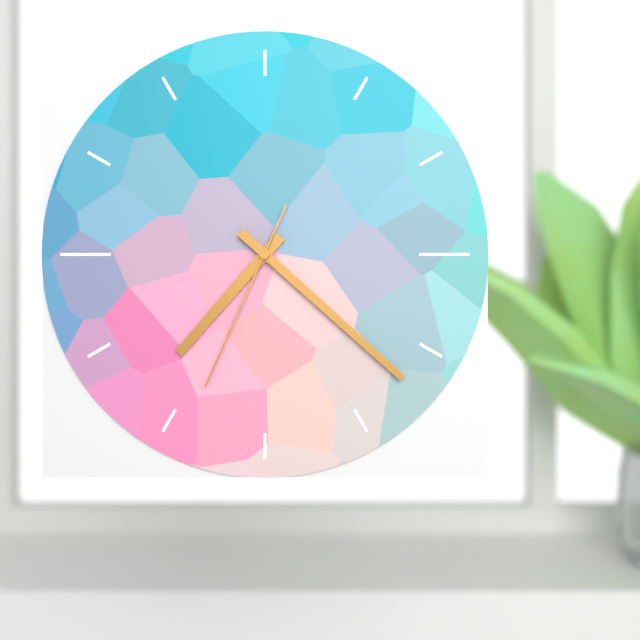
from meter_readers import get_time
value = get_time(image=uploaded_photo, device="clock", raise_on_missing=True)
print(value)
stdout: 7:22:34
